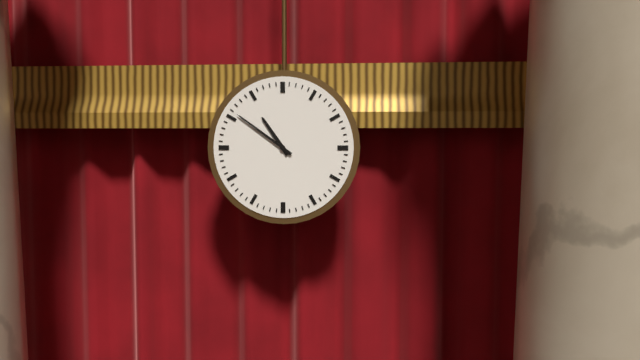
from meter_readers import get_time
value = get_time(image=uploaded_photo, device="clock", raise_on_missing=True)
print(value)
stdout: 10:51
